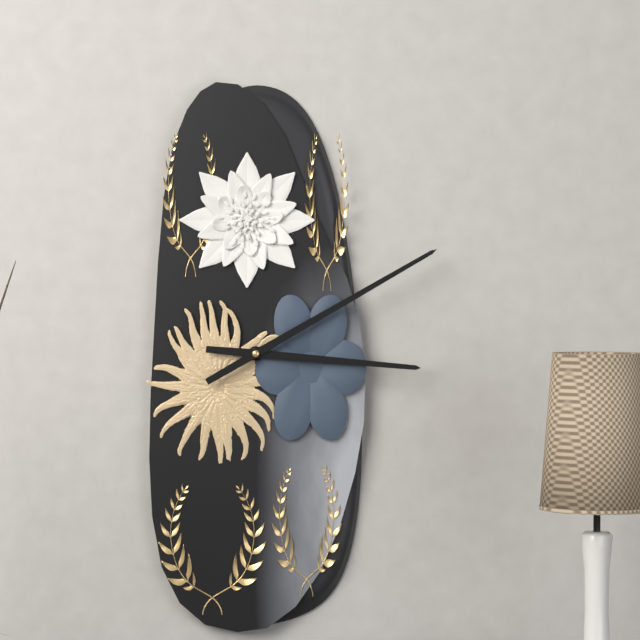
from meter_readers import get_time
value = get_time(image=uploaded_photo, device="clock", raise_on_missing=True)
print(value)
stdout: 3:10
